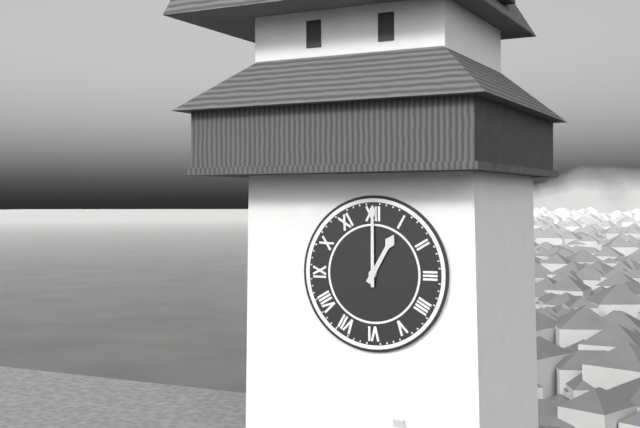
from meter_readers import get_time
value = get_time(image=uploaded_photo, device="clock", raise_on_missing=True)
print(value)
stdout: 1:00
